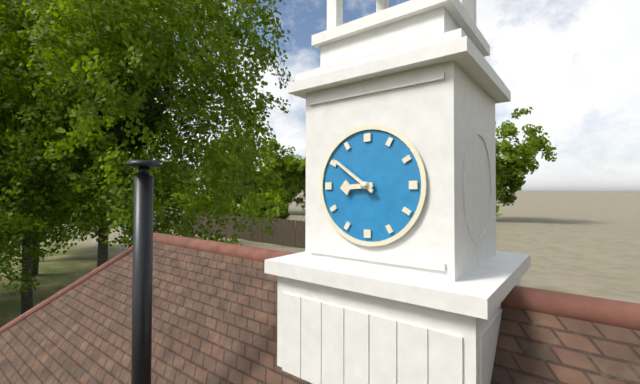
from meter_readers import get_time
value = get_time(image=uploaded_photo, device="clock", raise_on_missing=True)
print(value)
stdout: 8:51
